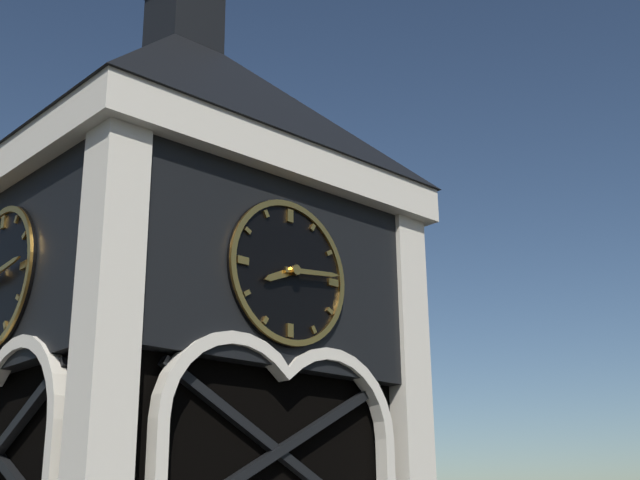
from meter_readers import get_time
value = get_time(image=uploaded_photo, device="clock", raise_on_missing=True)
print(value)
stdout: 8:14
